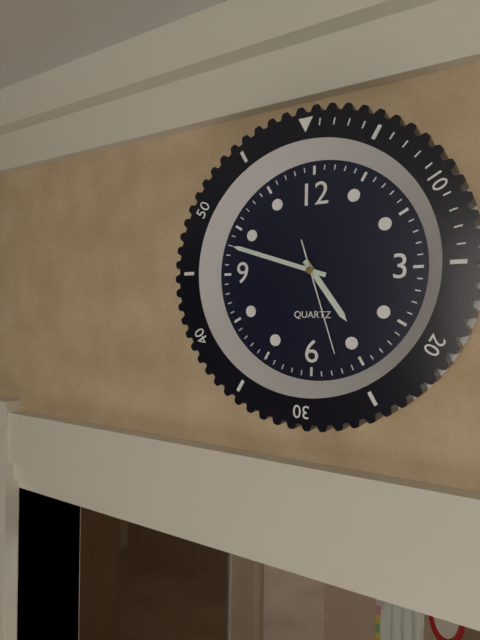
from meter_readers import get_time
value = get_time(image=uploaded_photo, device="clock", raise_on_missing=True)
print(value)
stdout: 4:48:27
